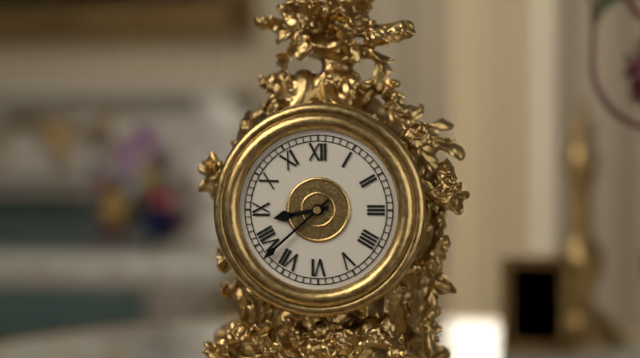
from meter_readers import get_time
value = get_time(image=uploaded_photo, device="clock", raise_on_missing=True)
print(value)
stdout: 8:38
